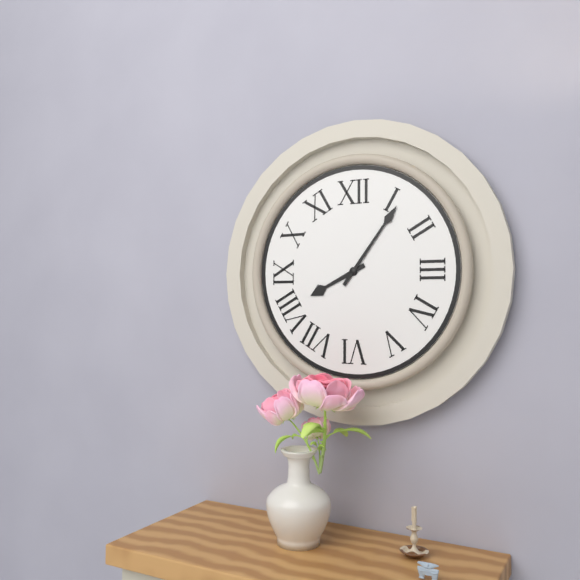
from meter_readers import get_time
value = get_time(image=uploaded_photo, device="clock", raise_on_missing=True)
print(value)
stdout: 8:06
